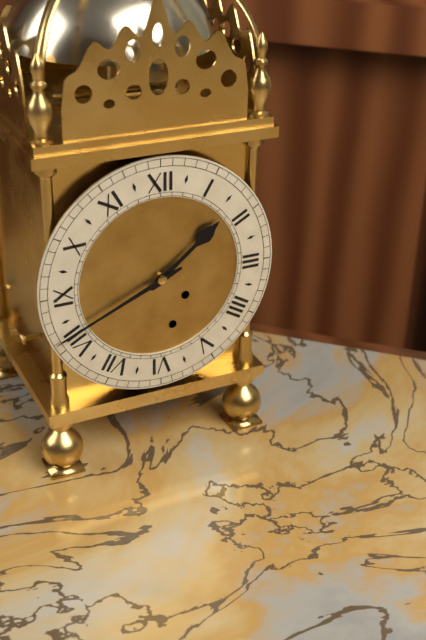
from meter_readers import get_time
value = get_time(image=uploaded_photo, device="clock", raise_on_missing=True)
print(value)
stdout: 1:41
